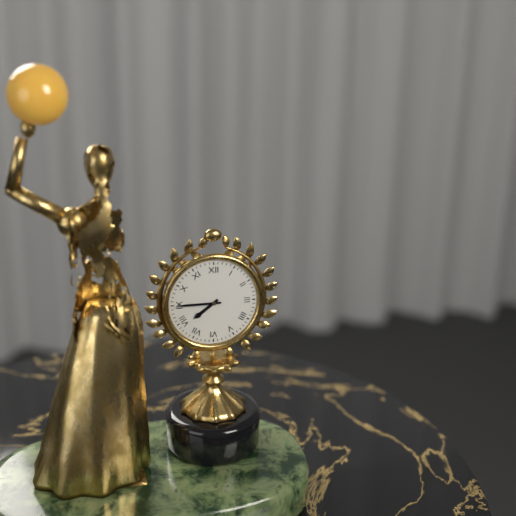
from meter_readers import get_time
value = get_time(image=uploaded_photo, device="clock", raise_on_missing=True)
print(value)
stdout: 7:45
